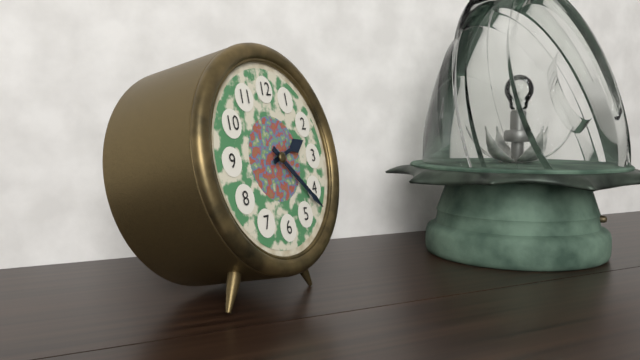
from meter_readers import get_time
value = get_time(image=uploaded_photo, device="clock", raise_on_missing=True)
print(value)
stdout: 2:22
